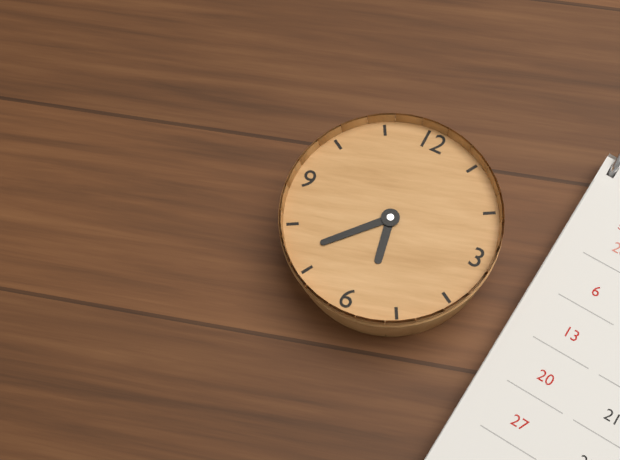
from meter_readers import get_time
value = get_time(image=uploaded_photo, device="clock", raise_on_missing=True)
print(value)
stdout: 5:37
